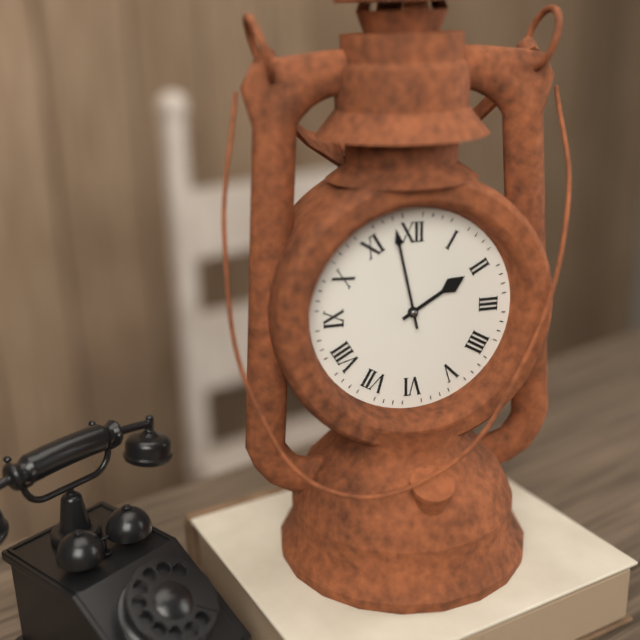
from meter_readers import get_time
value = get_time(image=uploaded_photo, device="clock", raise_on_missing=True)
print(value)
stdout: 1:58
